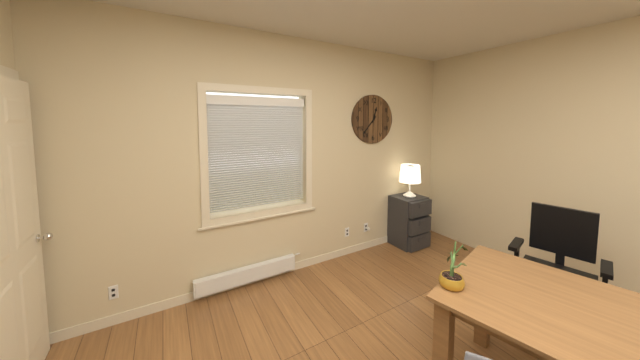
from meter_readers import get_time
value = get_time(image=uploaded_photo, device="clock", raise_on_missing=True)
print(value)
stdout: 12:37
